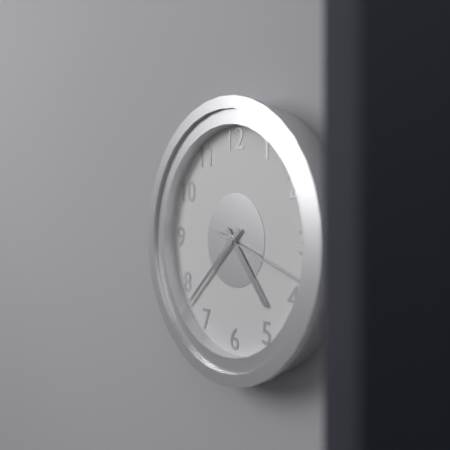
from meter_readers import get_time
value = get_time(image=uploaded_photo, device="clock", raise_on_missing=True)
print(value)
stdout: 4:38:18
